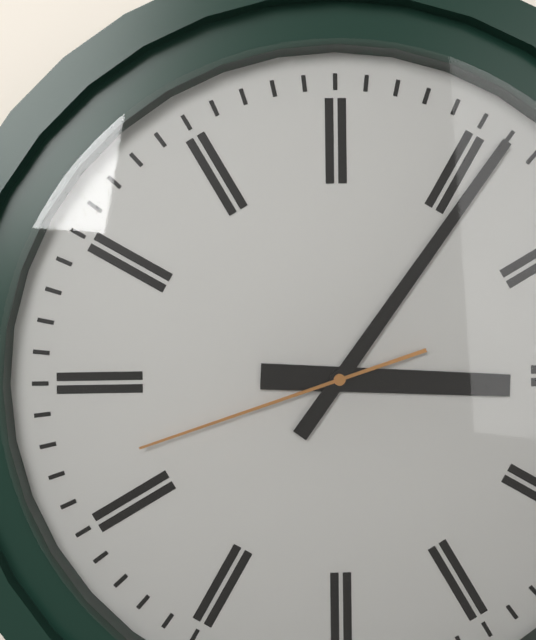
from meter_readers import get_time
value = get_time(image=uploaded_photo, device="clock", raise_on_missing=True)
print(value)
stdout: 3:06:42
